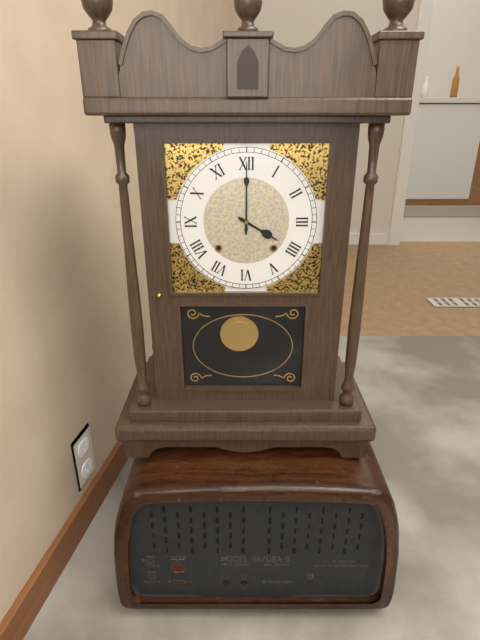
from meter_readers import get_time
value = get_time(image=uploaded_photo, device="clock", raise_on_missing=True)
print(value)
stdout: 4:00
